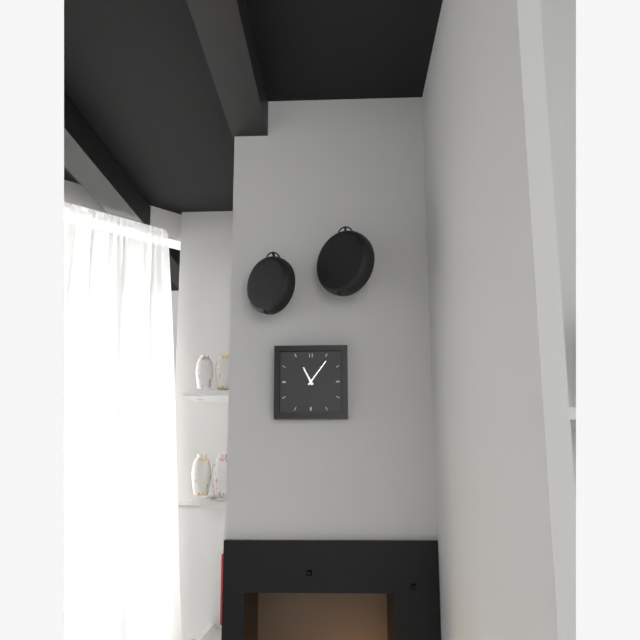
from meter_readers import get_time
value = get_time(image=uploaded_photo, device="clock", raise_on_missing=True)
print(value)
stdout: 11:06
